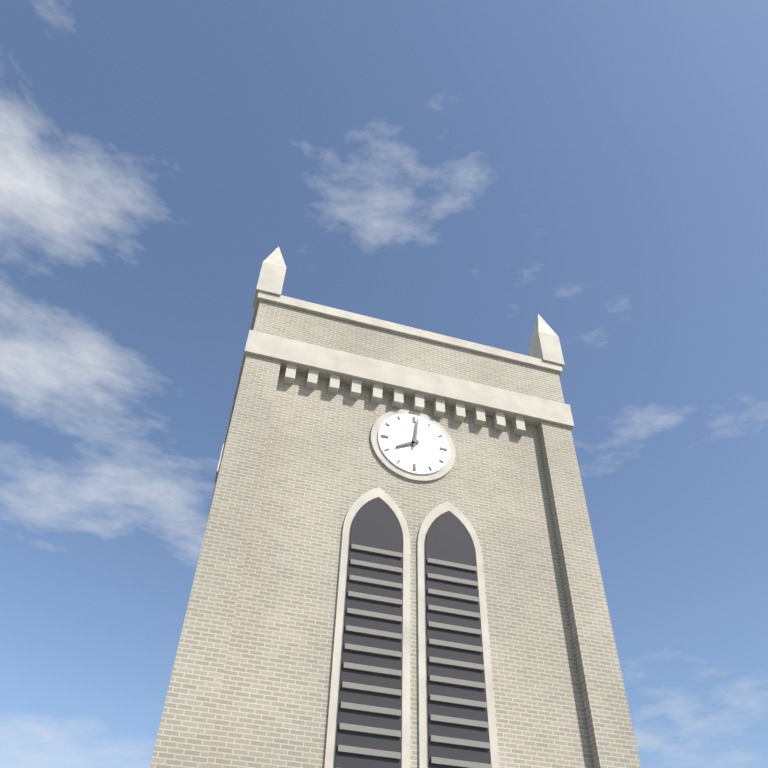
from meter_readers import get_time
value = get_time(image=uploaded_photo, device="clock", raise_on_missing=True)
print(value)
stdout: 8:01
